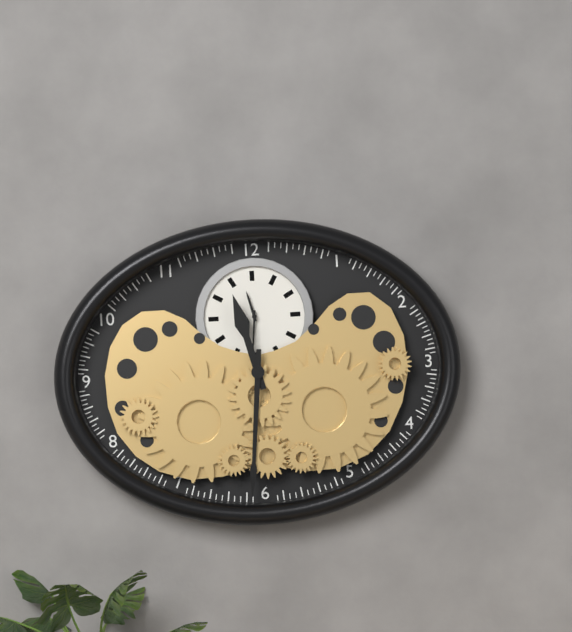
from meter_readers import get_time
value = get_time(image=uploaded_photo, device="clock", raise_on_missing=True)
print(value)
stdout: 11:31
